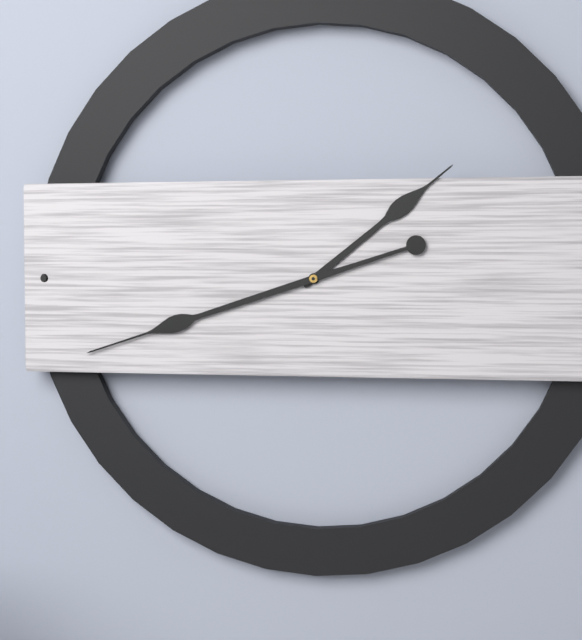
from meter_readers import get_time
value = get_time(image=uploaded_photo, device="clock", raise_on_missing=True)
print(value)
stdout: 1:42
